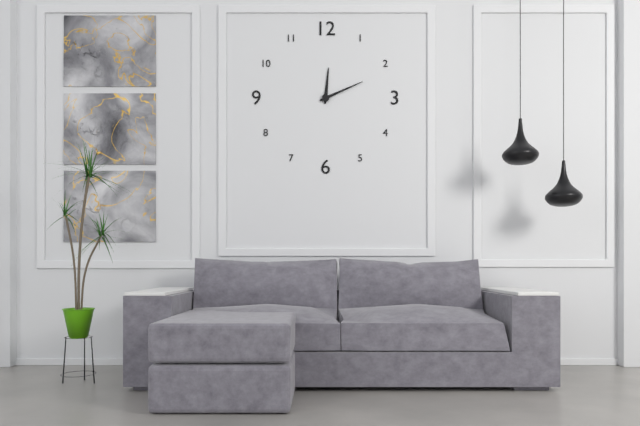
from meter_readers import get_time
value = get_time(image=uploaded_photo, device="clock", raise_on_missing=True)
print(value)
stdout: 12:11
